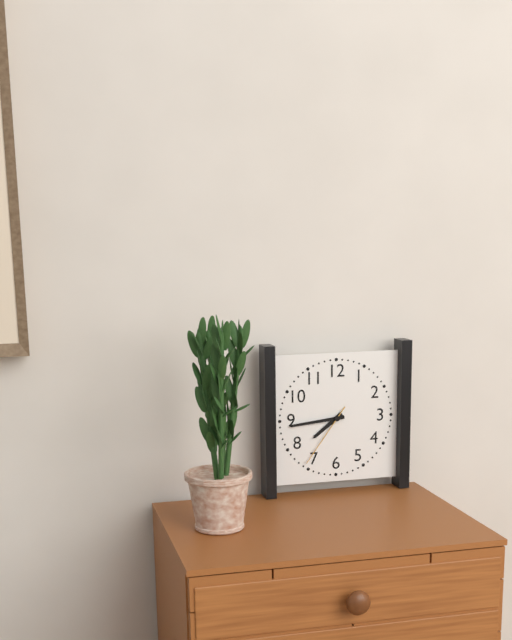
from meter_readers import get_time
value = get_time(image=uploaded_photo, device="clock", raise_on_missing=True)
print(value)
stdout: 7:44:36
